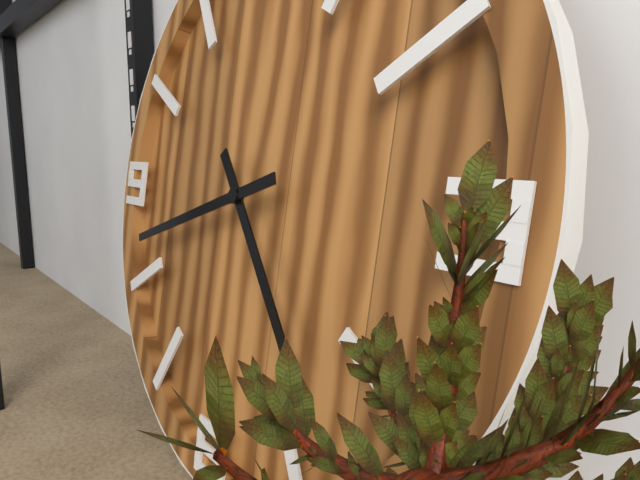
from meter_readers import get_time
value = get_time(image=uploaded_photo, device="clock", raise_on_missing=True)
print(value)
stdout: 4:42
